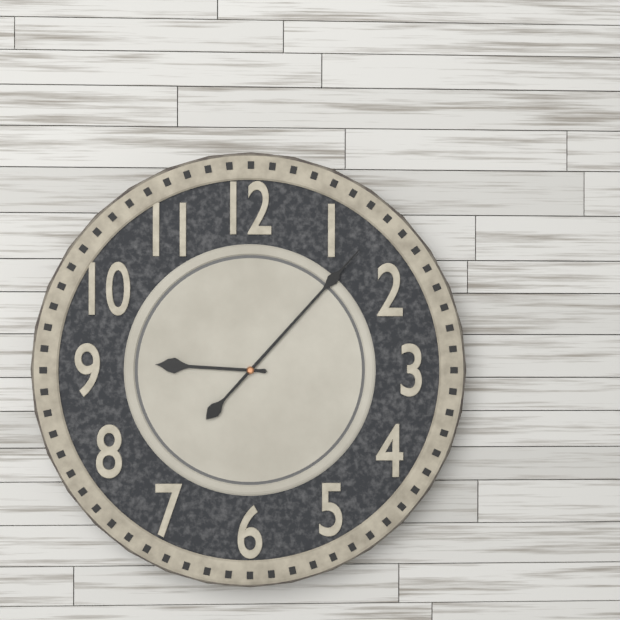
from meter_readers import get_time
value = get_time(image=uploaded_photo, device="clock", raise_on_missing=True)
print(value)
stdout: 9:07
